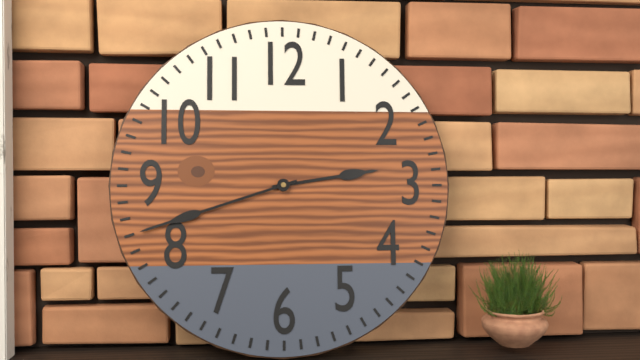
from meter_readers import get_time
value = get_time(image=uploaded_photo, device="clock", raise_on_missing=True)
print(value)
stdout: 2:42
